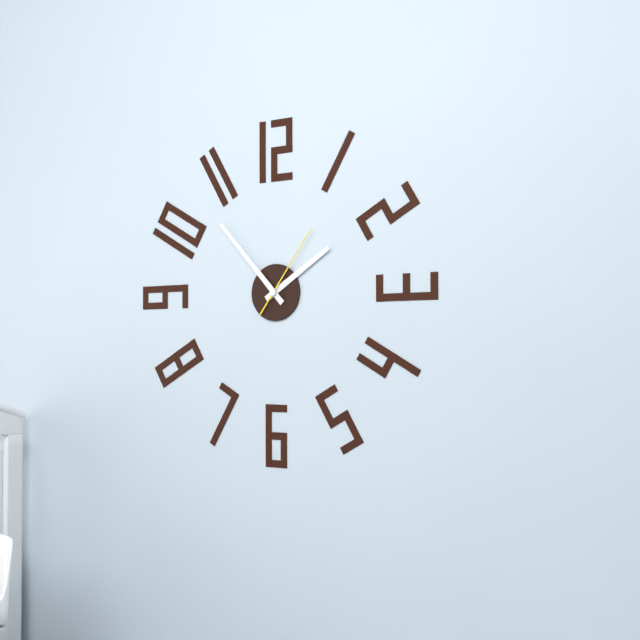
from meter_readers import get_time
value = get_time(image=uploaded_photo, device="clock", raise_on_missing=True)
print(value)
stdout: 1:53:06
